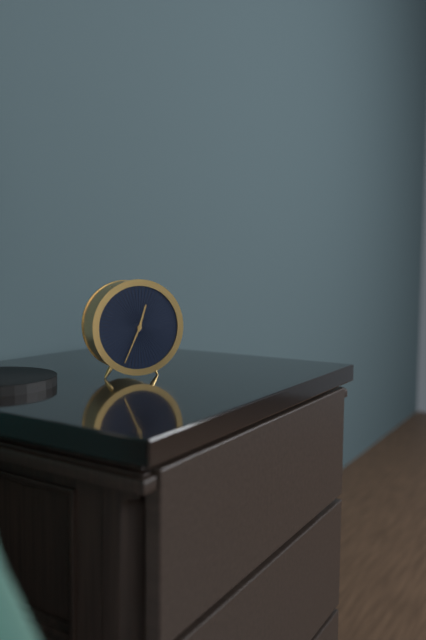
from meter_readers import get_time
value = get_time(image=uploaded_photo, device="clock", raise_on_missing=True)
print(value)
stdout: 12:34
